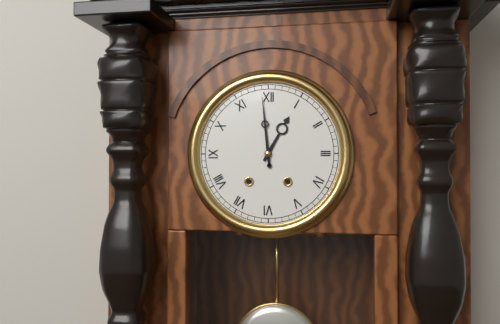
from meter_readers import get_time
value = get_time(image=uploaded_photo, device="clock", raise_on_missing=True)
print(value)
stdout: 12:59
